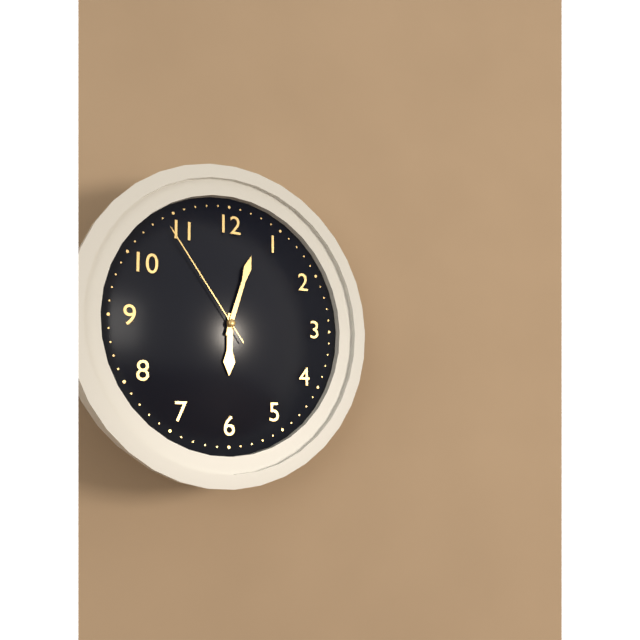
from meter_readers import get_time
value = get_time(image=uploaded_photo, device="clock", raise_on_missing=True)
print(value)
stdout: 6:03:54
